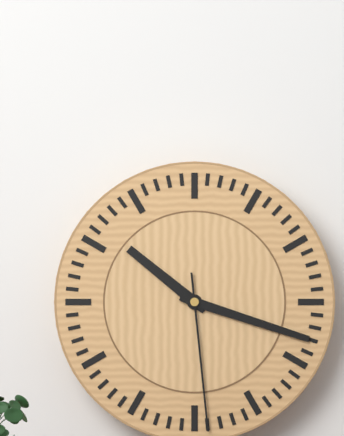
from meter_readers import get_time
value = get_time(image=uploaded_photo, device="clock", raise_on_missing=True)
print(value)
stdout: 10:18:29
